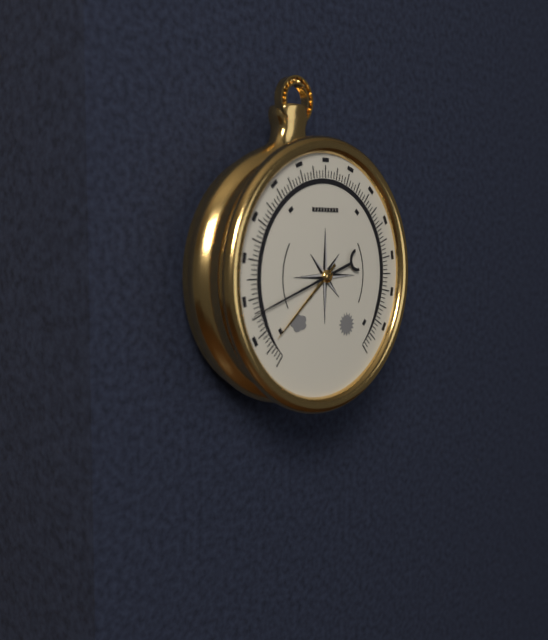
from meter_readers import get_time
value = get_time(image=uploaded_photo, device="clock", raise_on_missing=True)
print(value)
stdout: 7:42
